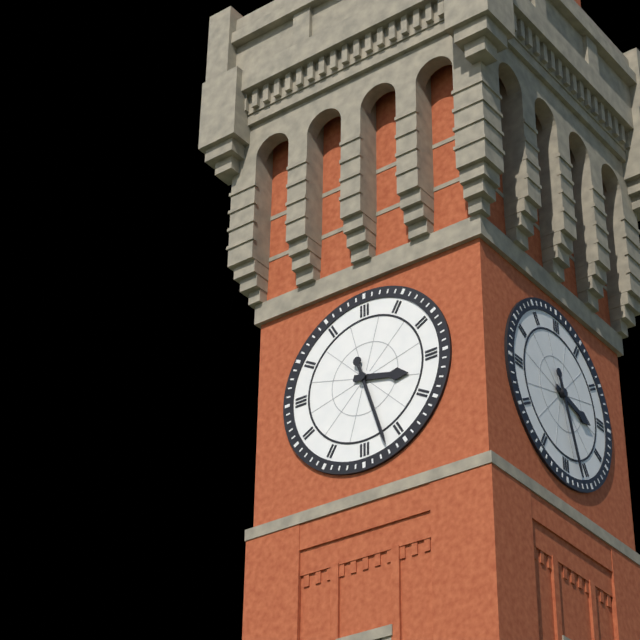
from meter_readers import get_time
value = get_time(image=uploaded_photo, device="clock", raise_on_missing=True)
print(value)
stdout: 3:27
